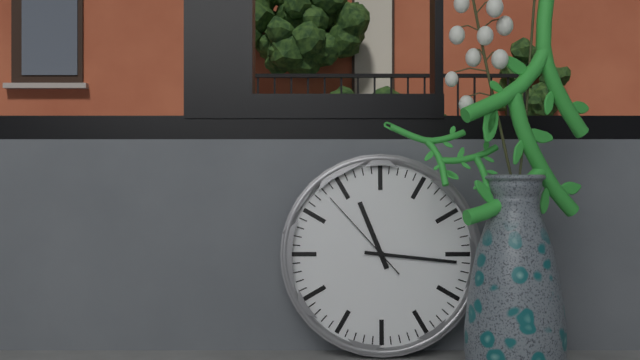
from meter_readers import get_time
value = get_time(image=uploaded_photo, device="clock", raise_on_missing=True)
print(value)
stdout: 11:16:53
